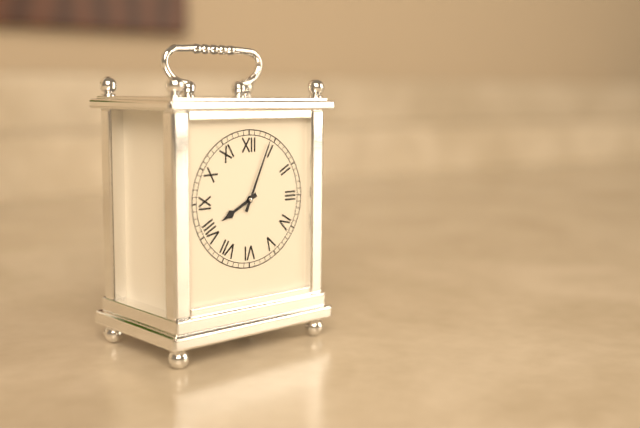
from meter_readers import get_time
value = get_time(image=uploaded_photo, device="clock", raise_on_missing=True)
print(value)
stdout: 8:04
